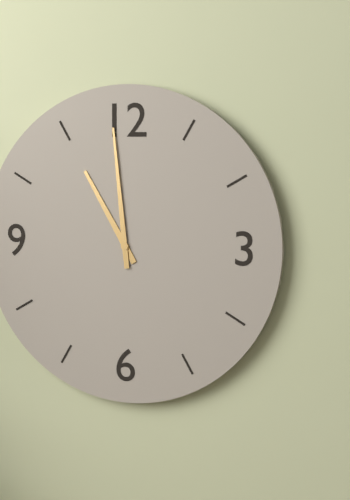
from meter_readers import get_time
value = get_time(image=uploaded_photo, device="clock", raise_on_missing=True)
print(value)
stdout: 10:59
